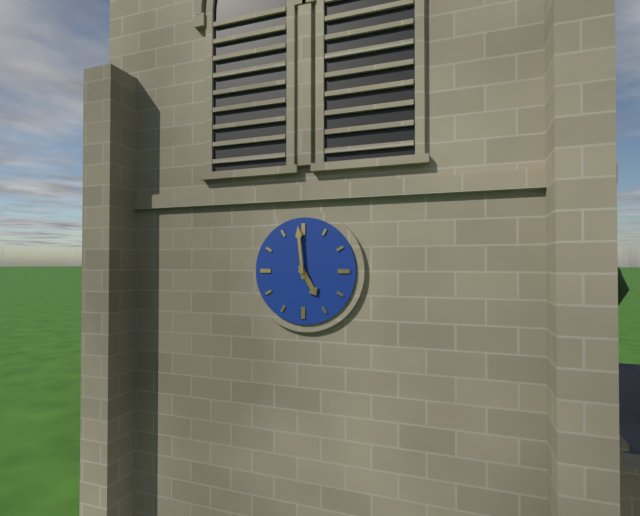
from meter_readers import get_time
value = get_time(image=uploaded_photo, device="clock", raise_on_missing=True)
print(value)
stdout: 4:59
